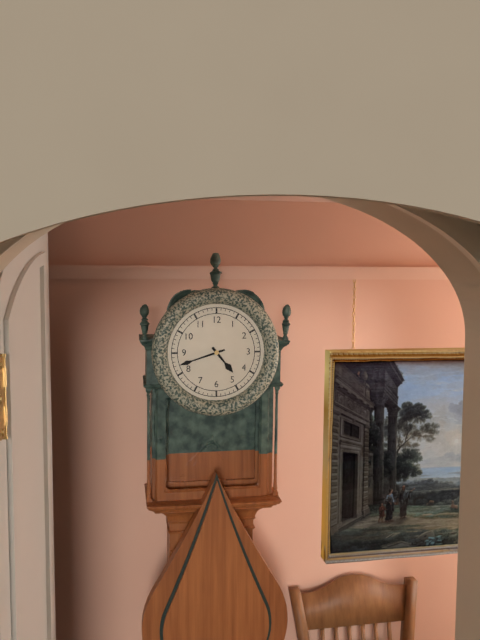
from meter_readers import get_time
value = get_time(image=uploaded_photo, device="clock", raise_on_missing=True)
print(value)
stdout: 4:42
